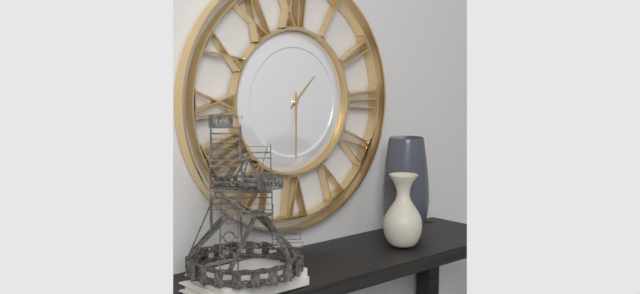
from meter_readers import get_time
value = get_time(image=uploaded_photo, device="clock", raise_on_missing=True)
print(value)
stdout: 1:30
